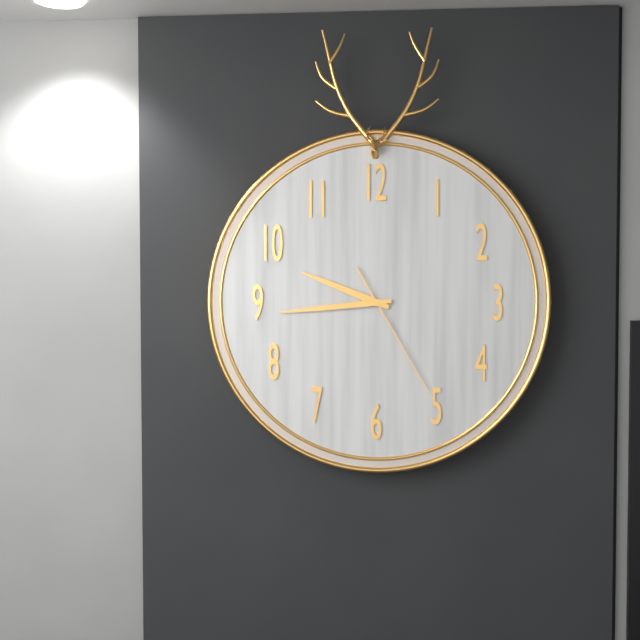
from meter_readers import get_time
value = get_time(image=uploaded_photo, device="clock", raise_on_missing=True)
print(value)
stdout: 9:44:25
